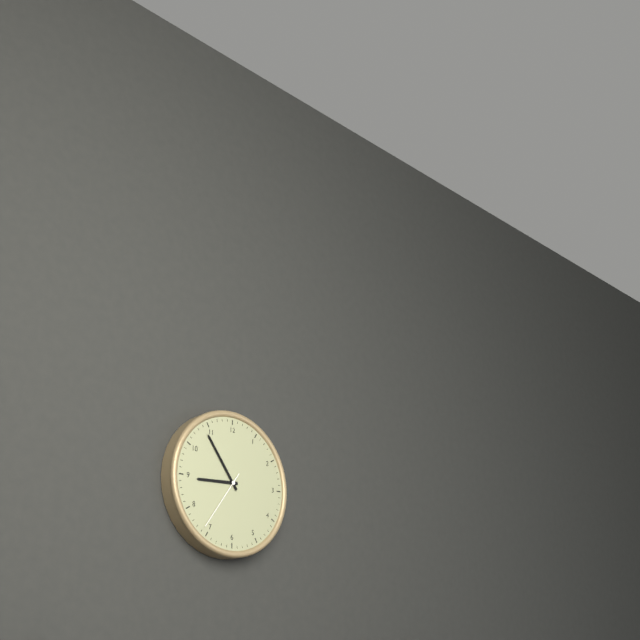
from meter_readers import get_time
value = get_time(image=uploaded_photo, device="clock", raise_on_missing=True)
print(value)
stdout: 8:54:36
